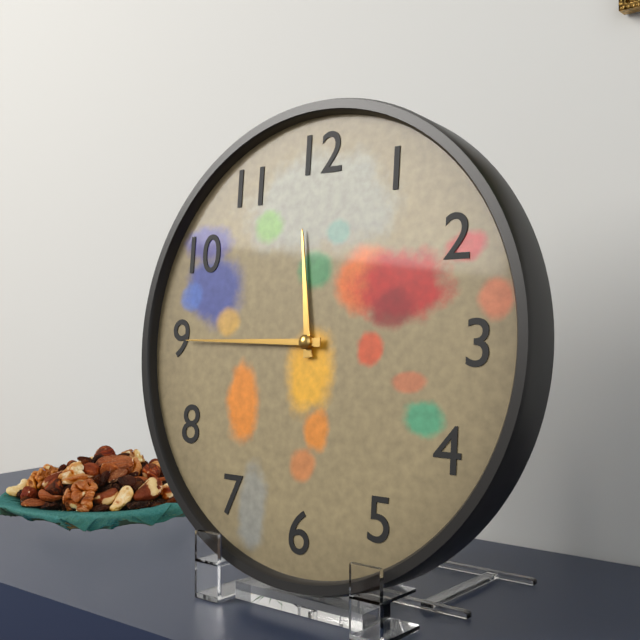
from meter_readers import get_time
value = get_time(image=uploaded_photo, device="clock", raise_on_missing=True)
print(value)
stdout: 11:45
